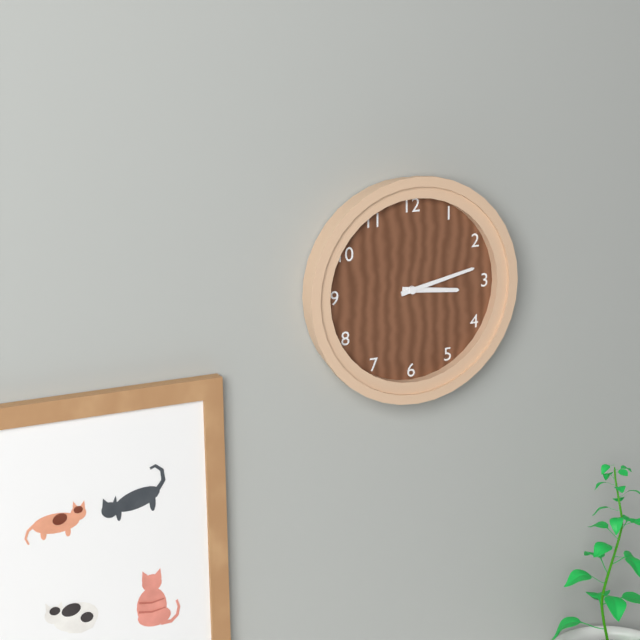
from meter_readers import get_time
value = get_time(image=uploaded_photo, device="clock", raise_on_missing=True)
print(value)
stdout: 3:13
